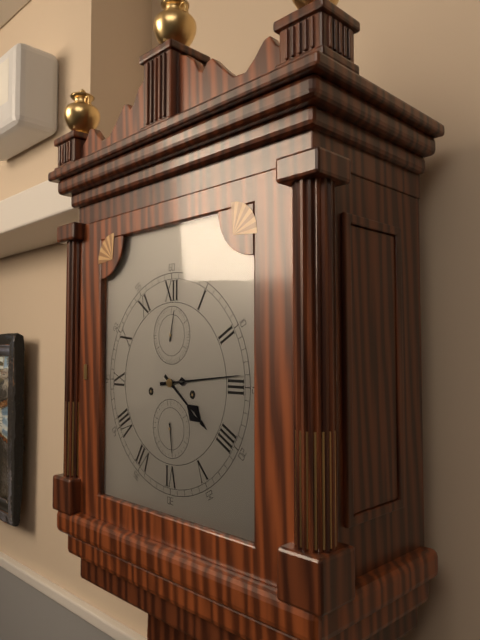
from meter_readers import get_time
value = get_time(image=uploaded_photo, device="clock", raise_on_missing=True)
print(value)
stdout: 4:14
